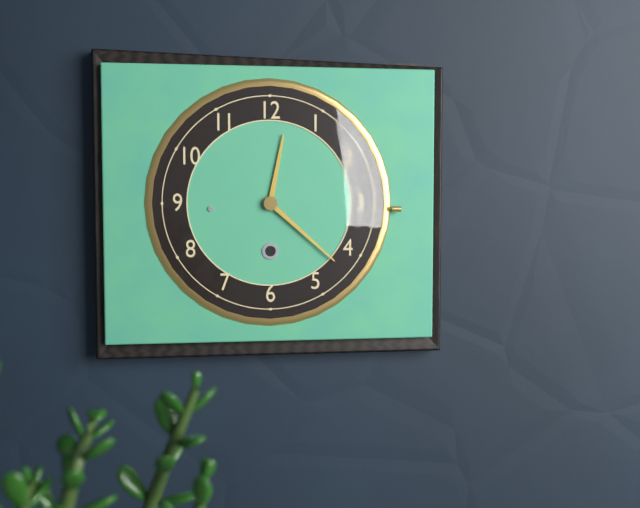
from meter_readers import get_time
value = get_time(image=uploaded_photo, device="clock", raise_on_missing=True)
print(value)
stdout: 12:22
